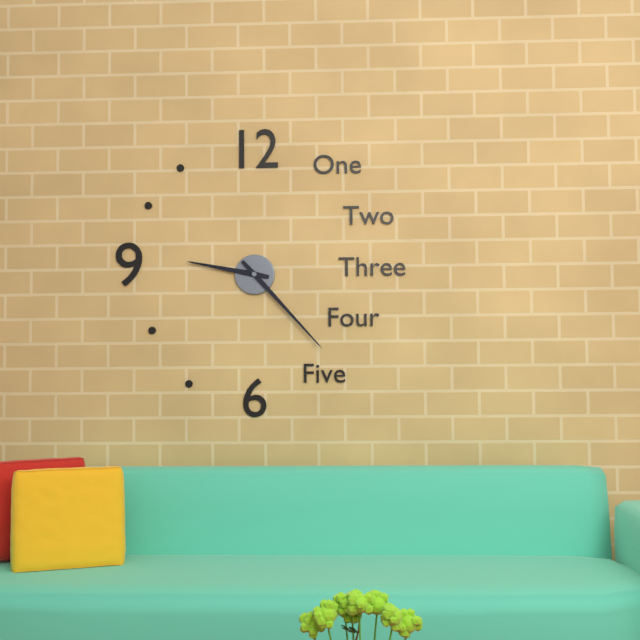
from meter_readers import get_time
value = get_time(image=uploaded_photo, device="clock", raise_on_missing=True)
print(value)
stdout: 9:23
